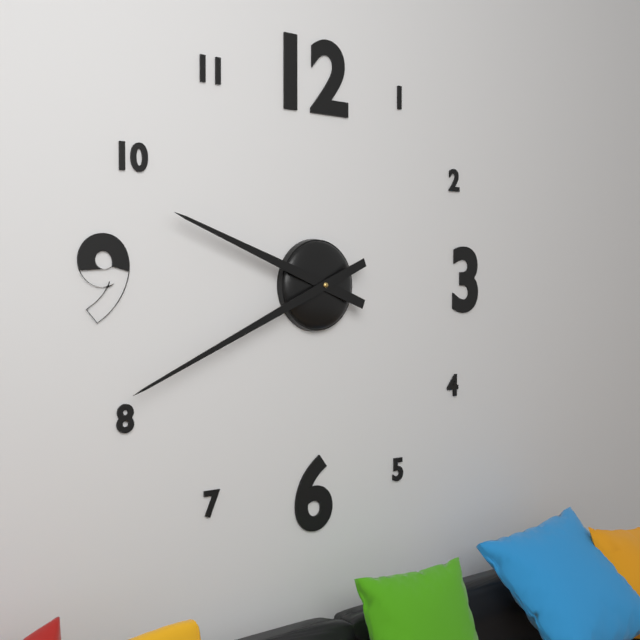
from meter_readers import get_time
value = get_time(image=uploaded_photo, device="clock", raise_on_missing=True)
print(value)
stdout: 9:41
